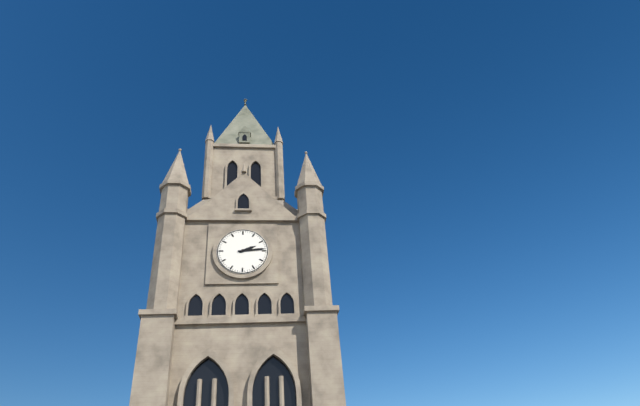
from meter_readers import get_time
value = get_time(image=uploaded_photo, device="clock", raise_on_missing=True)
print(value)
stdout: 2:14
